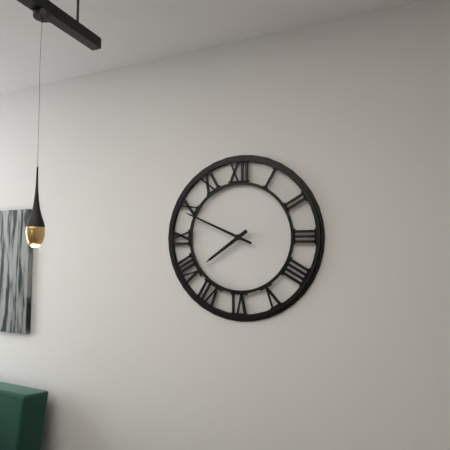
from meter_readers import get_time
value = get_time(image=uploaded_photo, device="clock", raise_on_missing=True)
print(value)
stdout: 7:49
